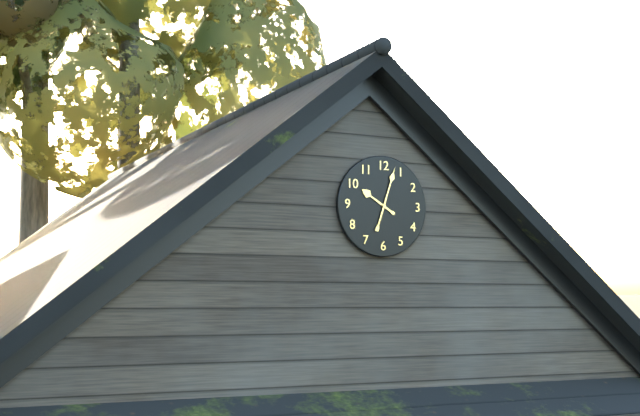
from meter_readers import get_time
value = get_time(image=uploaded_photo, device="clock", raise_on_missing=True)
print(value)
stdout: 10:03
